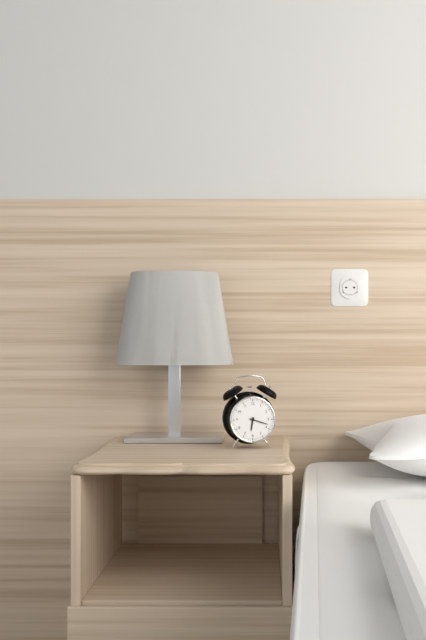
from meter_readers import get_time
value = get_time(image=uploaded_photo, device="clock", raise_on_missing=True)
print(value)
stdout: 6:18
